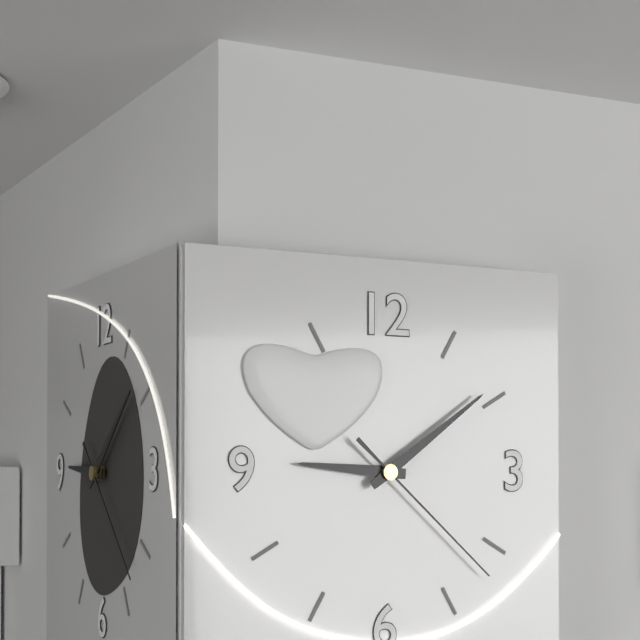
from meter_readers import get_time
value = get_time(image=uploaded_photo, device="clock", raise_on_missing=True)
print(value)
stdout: 9:09:22
